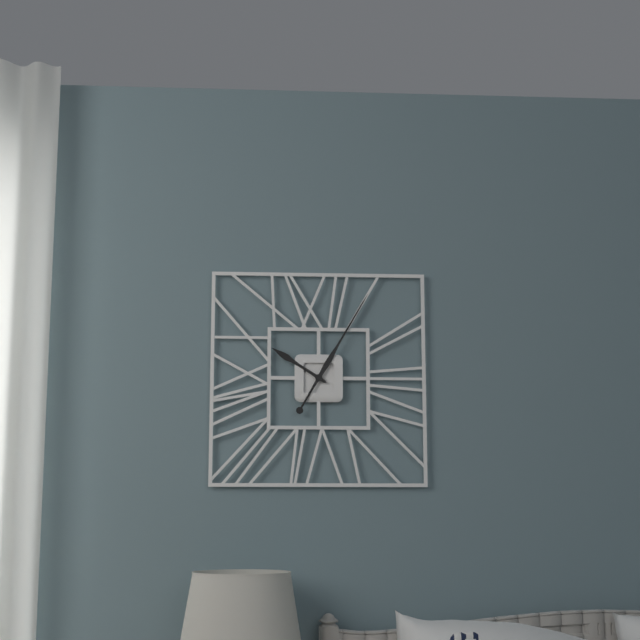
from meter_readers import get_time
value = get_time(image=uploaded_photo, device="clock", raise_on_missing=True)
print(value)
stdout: 10:05
